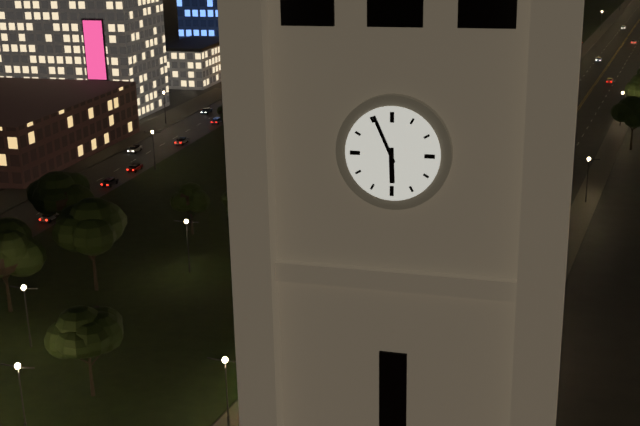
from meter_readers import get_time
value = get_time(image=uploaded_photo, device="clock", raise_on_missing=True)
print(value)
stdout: 5:56
